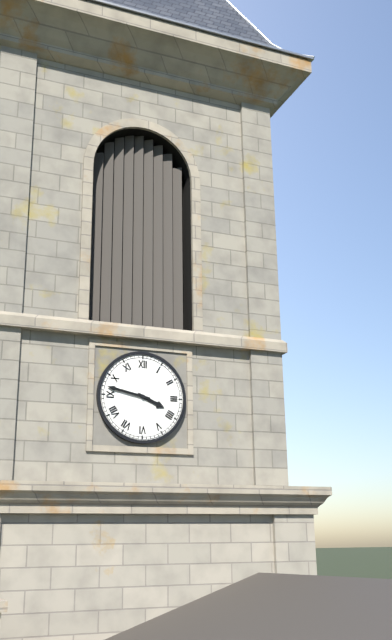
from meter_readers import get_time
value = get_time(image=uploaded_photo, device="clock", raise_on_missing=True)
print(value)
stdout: 3:47
